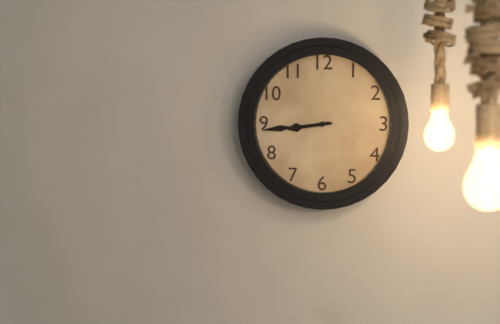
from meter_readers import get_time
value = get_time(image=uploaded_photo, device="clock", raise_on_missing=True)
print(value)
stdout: 8:44
